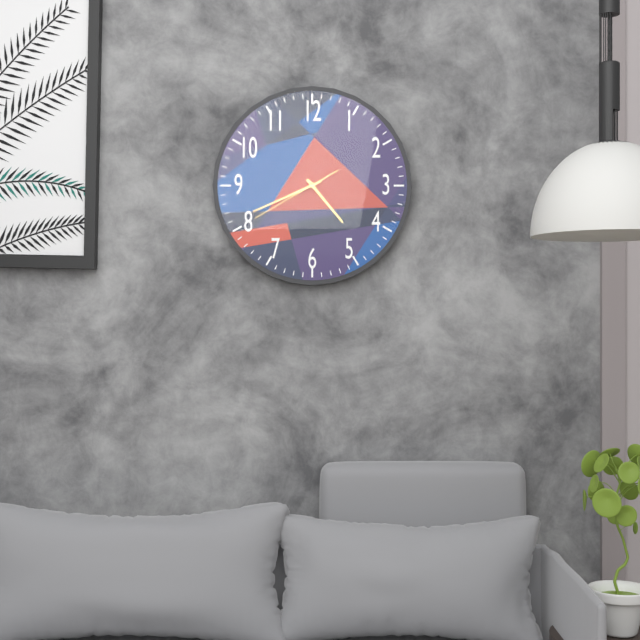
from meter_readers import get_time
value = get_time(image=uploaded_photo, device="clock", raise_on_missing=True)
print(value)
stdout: 4:41:40
